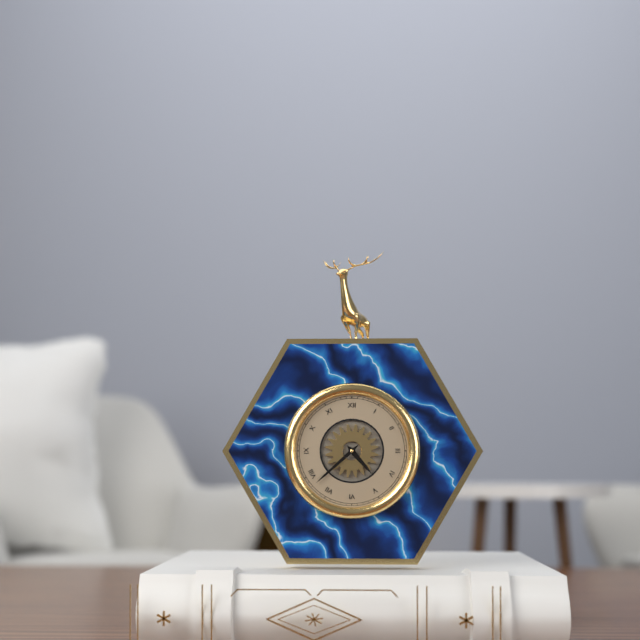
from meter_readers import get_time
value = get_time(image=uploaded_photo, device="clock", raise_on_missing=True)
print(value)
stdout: 4:38
